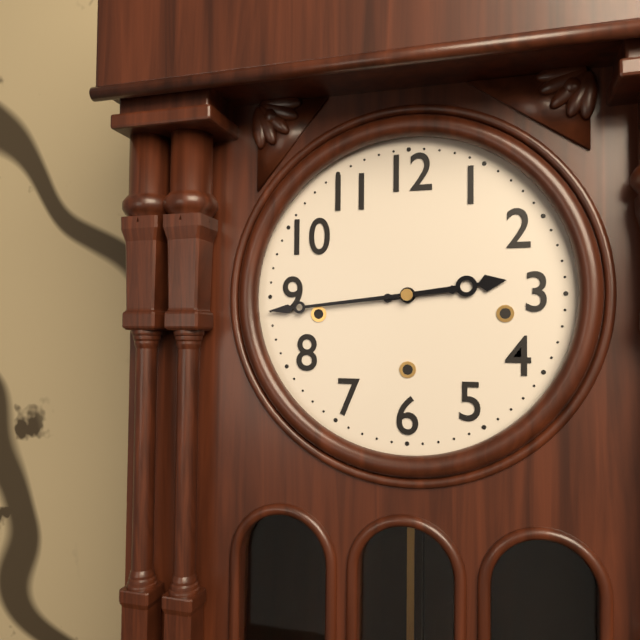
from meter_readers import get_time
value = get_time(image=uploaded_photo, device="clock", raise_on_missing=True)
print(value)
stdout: 2:44
